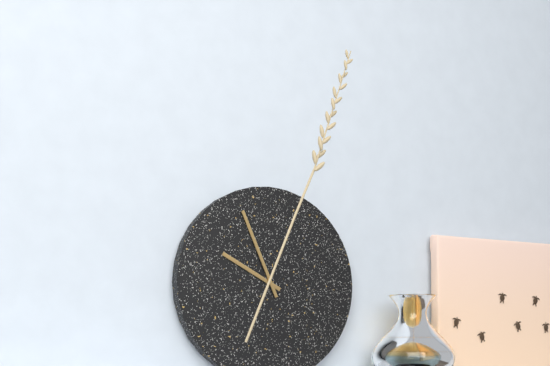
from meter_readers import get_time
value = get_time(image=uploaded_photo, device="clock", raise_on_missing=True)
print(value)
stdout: 9:56
